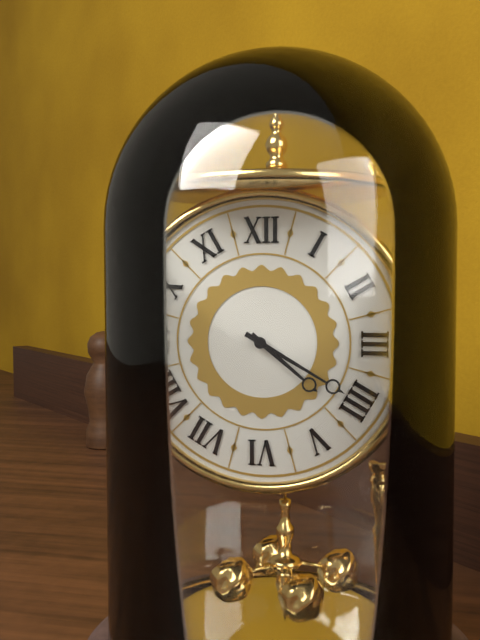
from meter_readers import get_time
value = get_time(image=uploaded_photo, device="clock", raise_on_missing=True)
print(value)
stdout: 4:20
